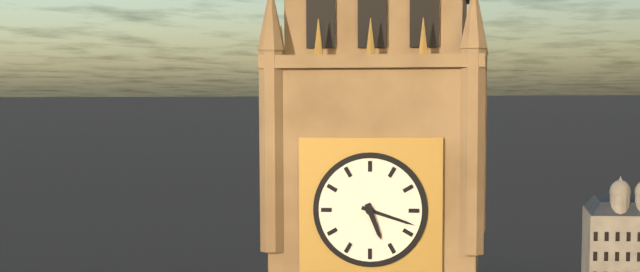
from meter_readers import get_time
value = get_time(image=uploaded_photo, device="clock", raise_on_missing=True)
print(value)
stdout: 5:18
